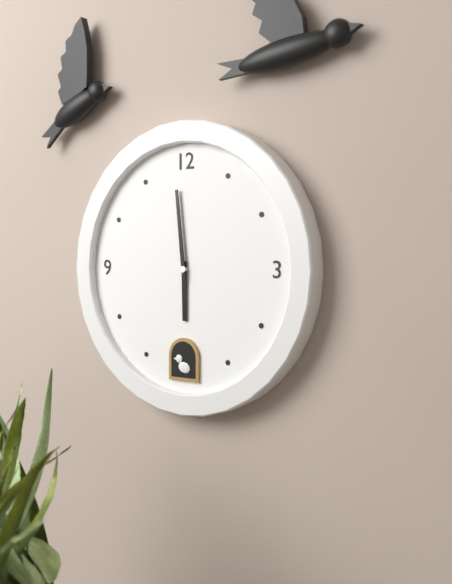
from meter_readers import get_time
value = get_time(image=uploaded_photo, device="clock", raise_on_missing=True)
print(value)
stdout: 5:59
